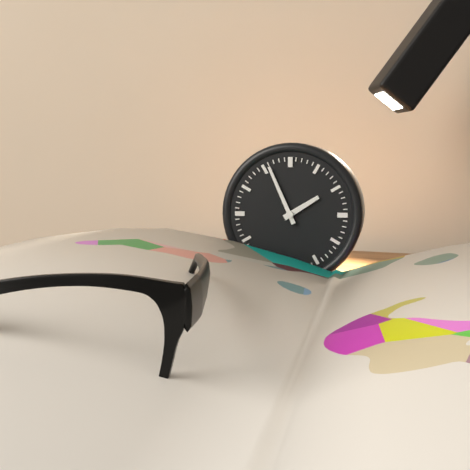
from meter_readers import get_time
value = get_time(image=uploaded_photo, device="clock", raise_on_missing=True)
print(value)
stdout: 1:56
